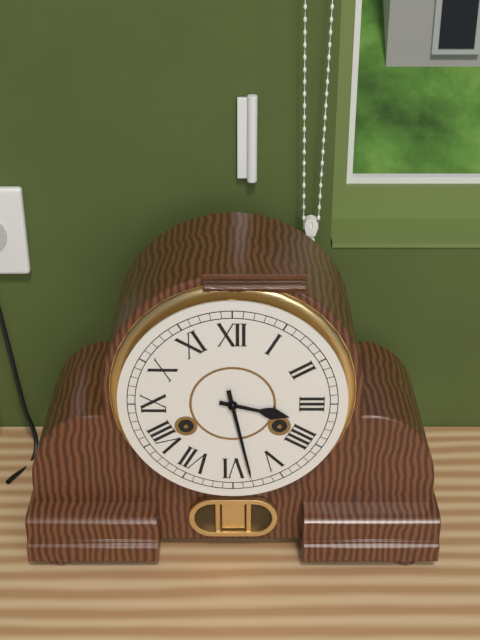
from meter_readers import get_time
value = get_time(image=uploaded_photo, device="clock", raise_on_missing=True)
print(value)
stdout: 3:28
